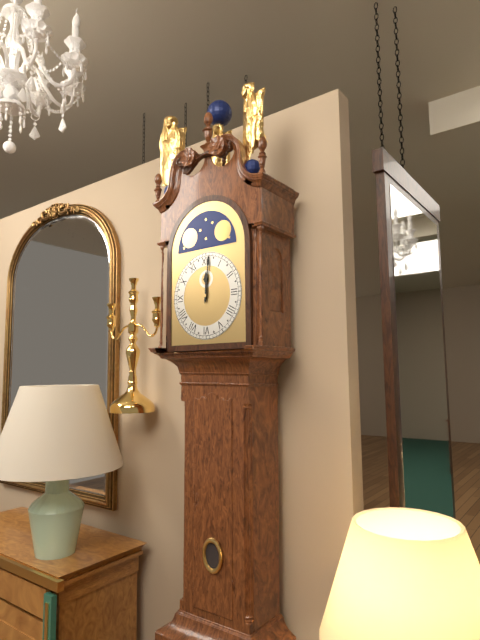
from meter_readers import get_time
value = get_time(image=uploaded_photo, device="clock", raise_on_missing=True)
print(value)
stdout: 12:01
